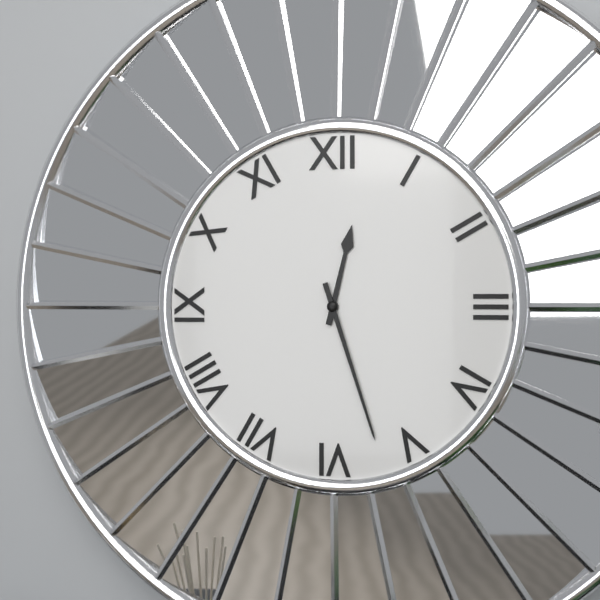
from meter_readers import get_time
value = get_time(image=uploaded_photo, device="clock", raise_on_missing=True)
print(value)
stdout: 12:27
